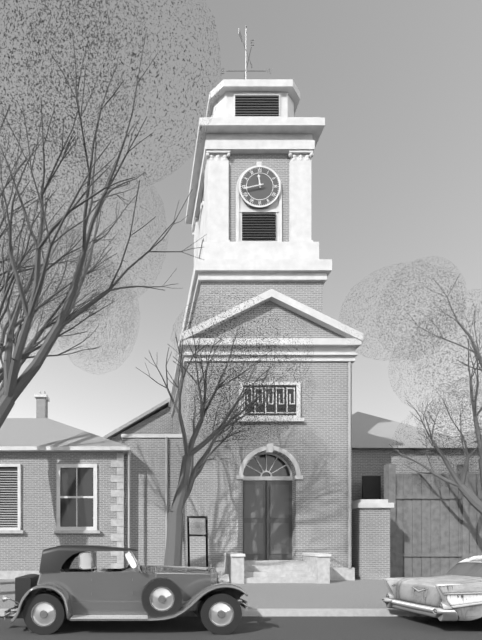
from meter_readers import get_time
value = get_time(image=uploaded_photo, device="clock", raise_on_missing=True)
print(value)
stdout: 11:43
